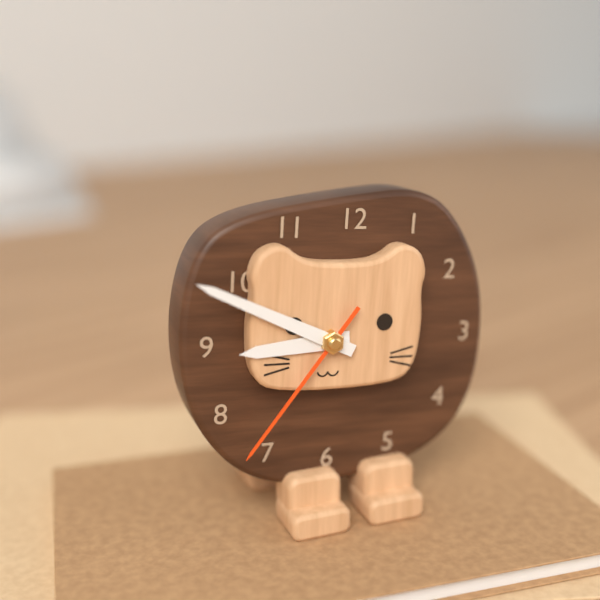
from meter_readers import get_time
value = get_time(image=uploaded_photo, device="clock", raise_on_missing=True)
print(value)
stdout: 8:49:36
